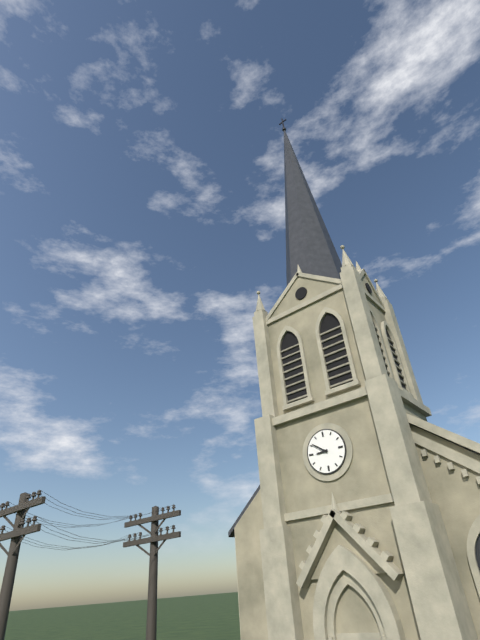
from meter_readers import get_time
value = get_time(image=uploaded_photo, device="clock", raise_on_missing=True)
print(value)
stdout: 8:51
